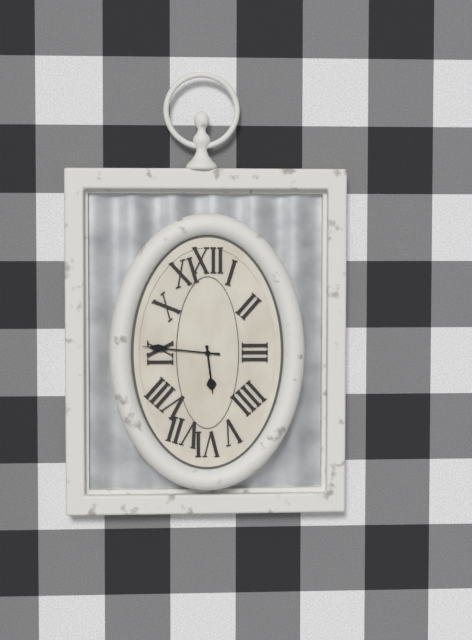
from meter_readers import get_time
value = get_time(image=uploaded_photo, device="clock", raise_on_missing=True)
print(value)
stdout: 5:46
